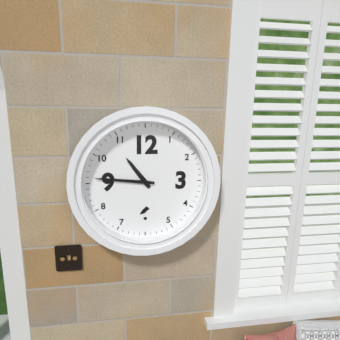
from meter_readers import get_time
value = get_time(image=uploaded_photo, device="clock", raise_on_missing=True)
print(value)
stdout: 10:46
